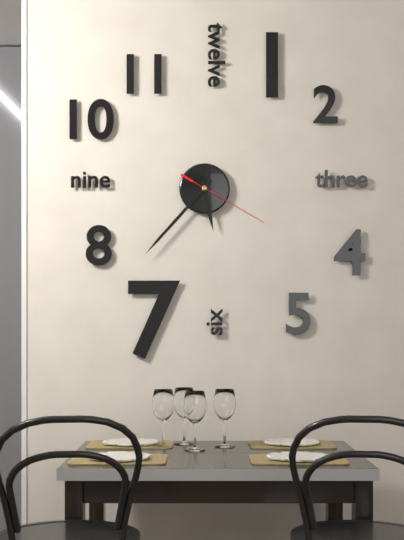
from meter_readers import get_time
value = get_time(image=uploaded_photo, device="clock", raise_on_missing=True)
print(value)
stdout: 5:37:20
